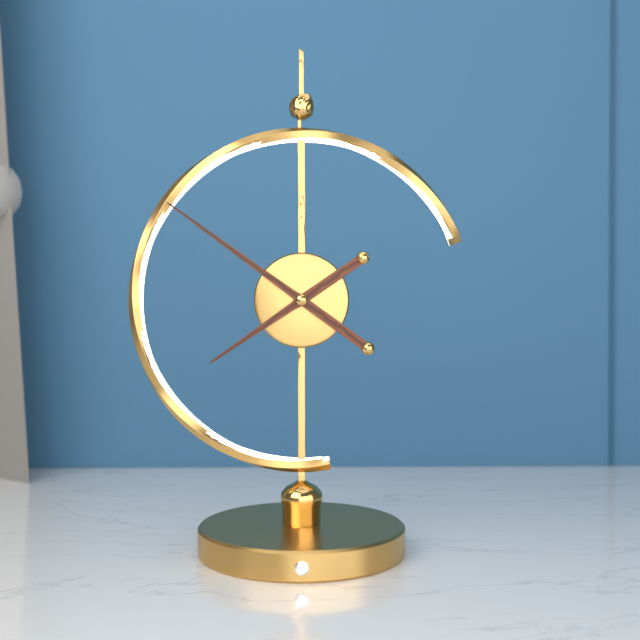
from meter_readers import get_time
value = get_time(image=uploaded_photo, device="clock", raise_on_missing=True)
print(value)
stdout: 7:51
